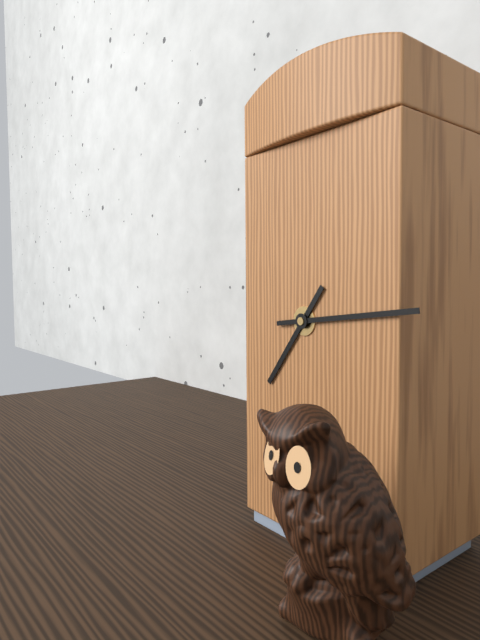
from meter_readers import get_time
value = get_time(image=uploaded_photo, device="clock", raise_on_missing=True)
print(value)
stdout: 7:14
